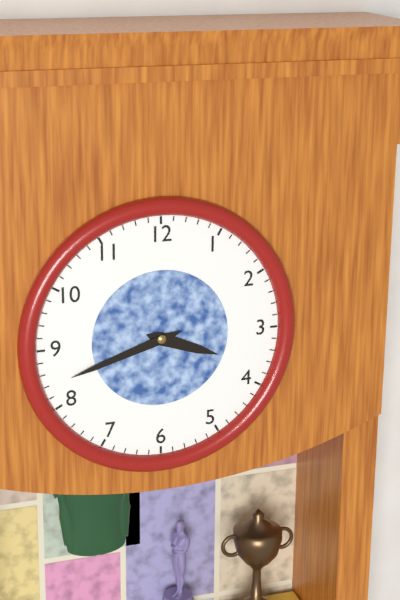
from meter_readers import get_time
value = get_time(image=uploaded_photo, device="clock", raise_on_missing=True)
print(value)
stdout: 3:42
